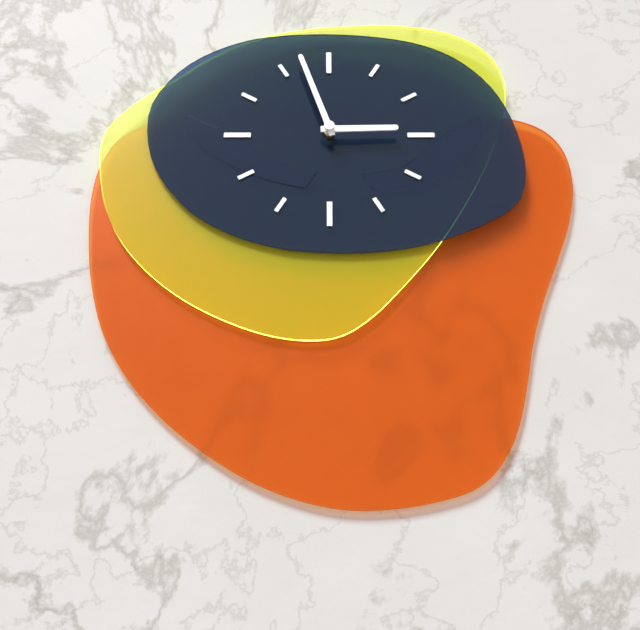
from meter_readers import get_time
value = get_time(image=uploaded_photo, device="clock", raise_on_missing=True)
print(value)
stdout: 2:57
